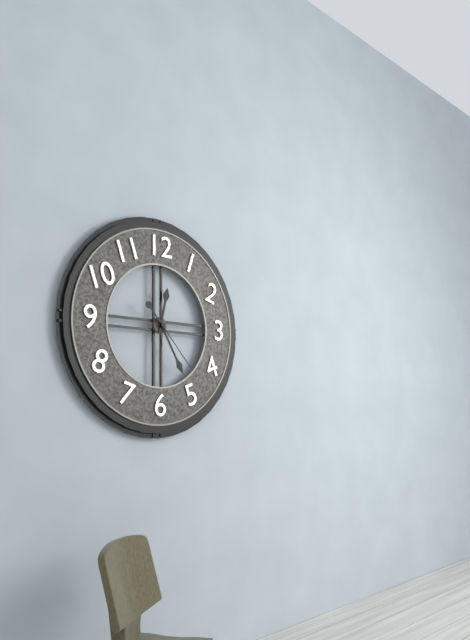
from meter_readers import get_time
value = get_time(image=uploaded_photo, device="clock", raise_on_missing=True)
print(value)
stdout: 12:25:23
